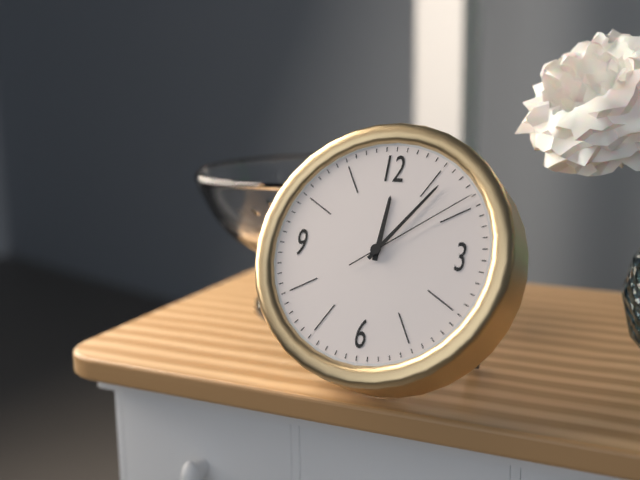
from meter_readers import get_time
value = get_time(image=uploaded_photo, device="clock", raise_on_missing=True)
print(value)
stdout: 12:06:09
